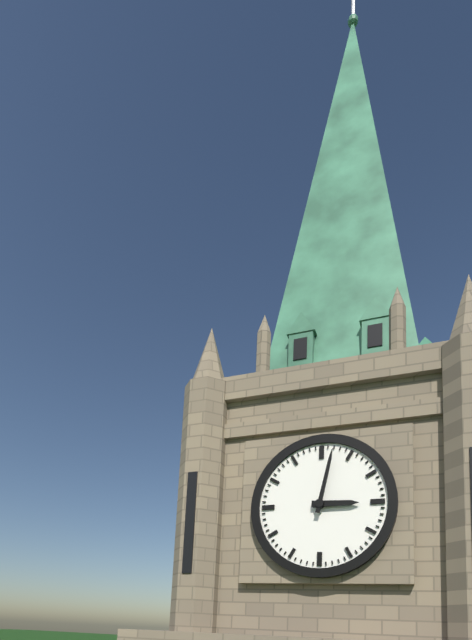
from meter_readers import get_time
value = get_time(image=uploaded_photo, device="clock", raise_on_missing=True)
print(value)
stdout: 3:02
